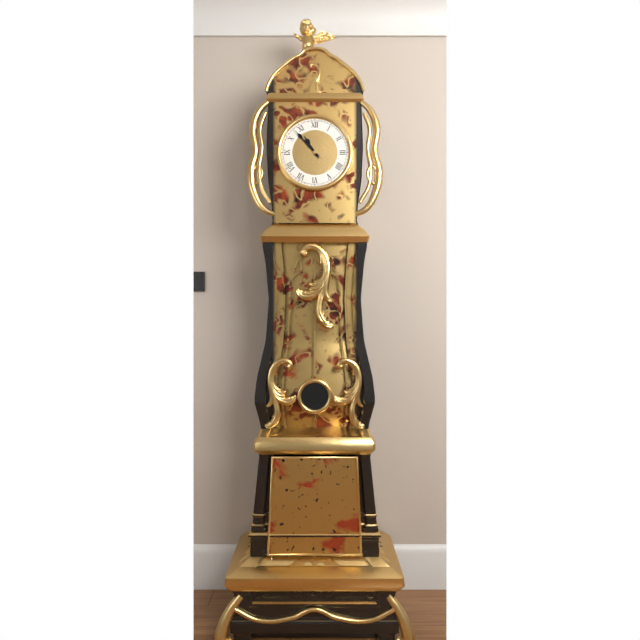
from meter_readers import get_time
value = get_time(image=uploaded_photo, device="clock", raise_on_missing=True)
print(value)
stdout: 10:53
